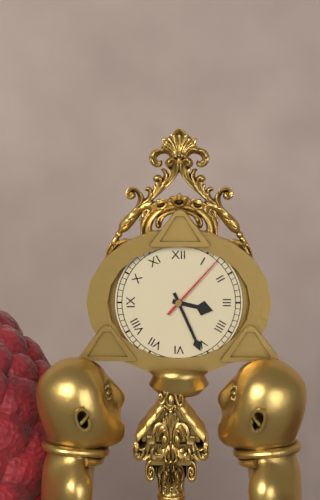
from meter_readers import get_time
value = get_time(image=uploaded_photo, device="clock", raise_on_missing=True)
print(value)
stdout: 3:26:07
